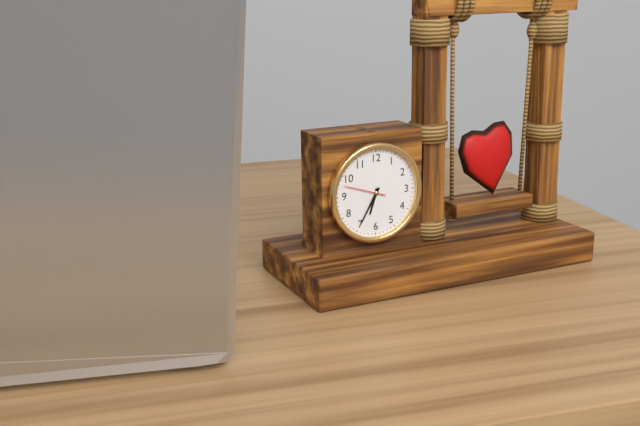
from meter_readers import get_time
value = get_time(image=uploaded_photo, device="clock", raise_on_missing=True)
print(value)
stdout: 6:35
